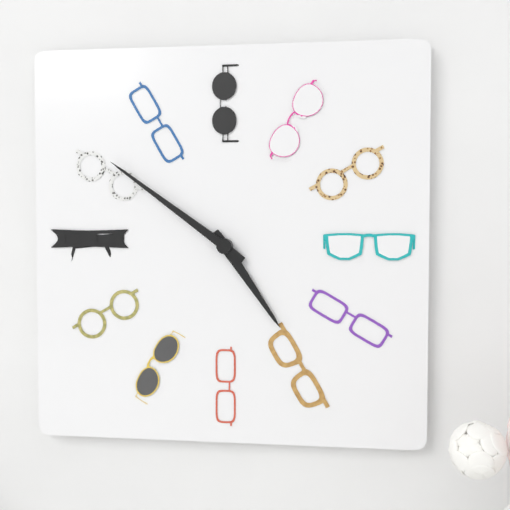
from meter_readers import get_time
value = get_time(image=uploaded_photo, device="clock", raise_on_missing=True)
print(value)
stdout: 4:51
